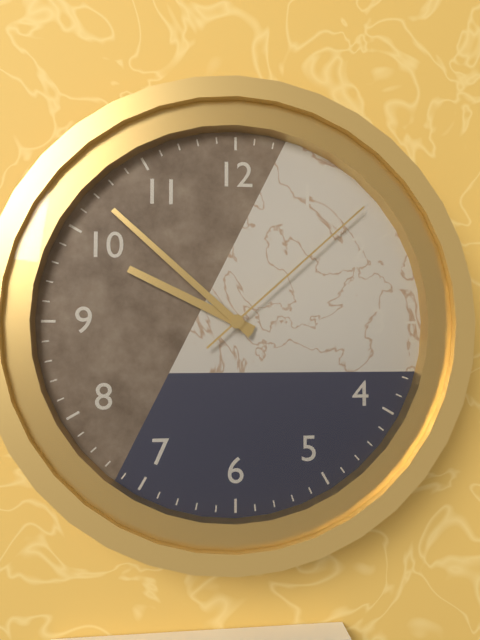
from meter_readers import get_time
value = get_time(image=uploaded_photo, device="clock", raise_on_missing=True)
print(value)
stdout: 9:52:08
